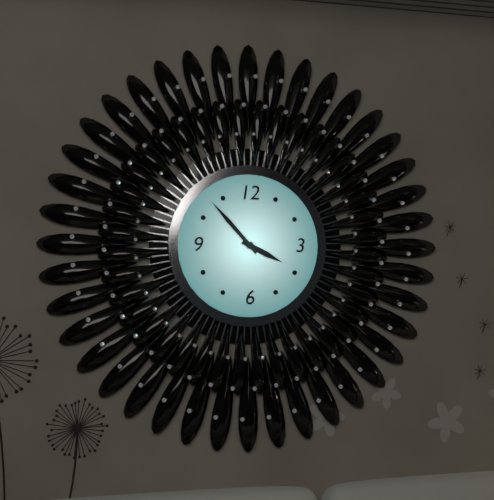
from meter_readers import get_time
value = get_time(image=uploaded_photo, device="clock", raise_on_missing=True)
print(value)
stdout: 3:53
